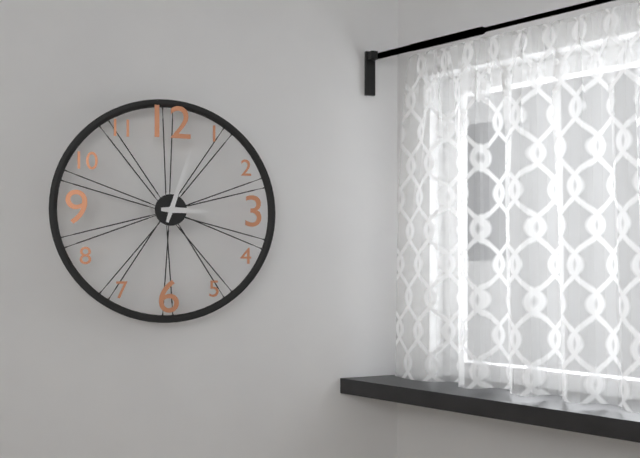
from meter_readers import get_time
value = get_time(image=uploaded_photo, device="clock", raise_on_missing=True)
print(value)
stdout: 3:03
